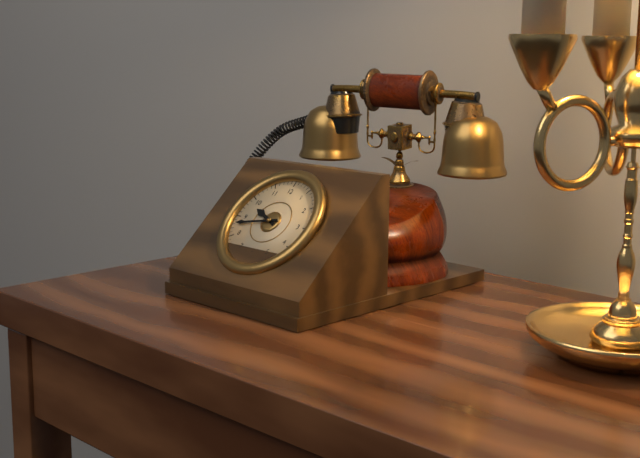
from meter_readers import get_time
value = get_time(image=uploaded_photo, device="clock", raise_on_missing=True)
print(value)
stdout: 9:43
